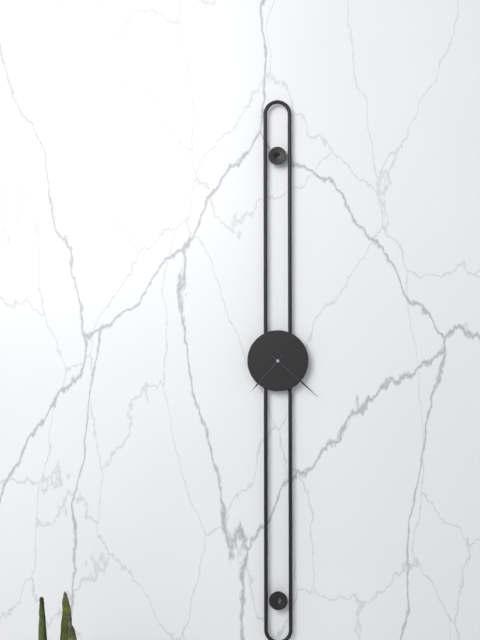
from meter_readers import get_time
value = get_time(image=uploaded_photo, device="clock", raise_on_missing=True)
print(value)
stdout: 7:22
